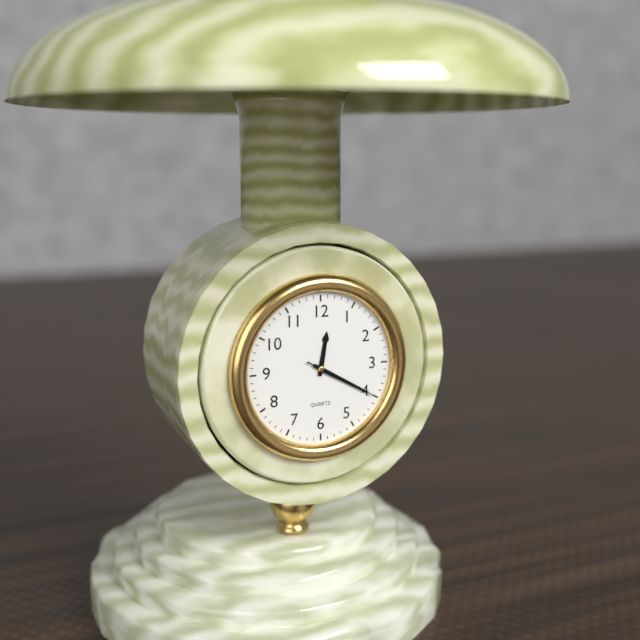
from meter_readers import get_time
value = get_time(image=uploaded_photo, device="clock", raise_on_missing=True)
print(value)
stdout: 12:20:20
